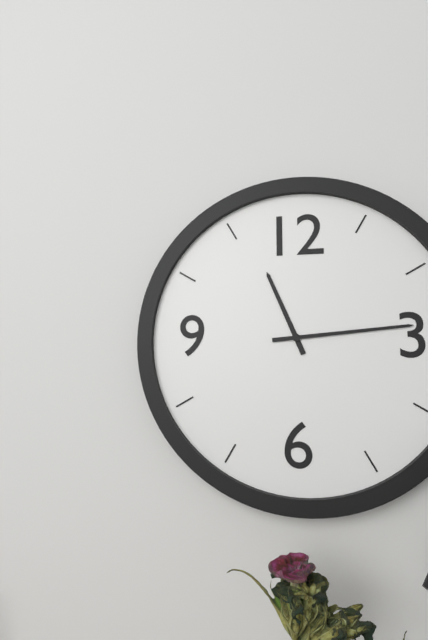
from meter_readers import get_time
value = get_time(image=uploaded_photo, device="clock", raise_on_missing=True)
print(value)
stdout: 11:14
